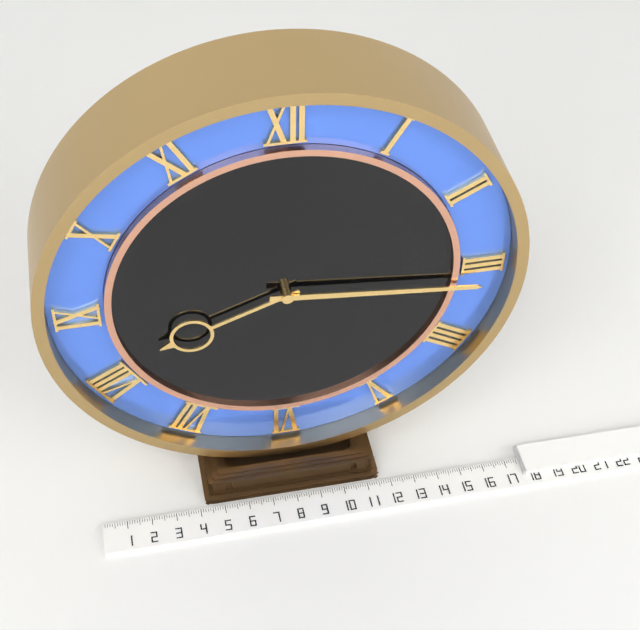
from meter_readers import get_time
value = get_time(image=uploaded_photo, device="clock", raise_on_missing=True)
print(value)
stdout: 8:16
